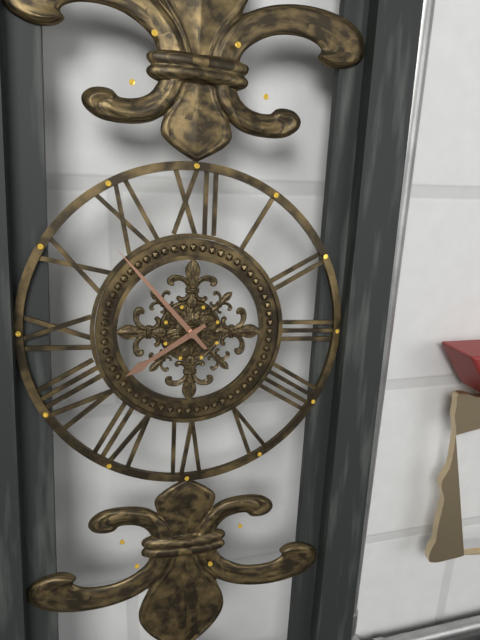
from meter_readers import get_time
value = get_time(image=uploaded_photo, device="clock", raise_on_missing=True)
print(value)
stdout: 7:53
